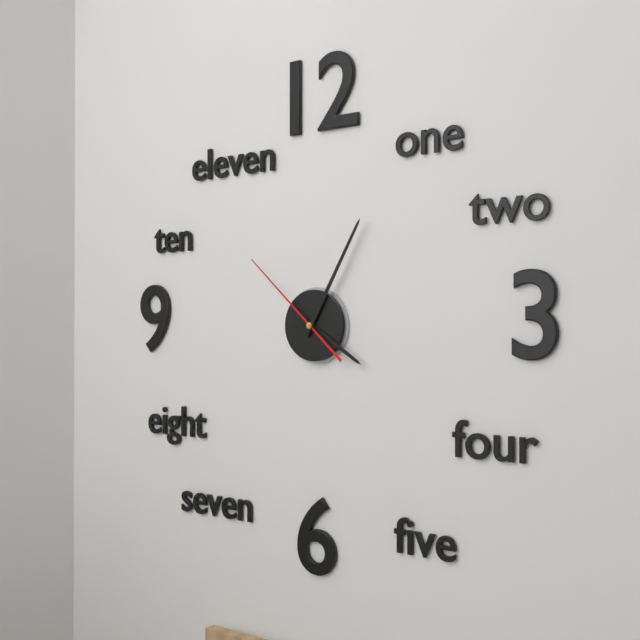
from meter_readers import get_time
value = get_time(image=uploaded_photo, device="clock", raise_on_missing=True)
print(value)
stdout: 4:05:52
